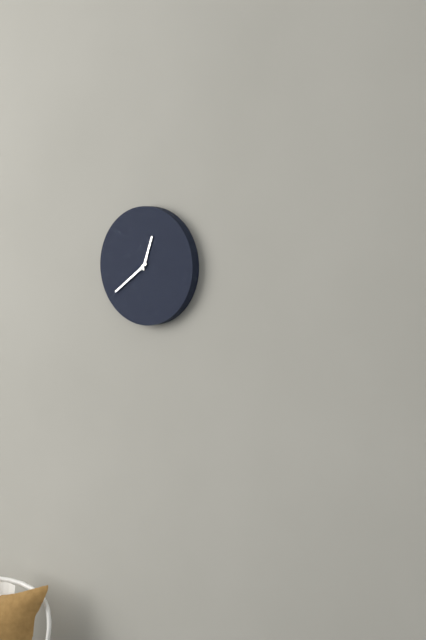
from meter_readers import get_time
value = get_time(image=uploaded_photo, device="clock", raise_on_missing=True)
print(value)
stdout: 12:39
